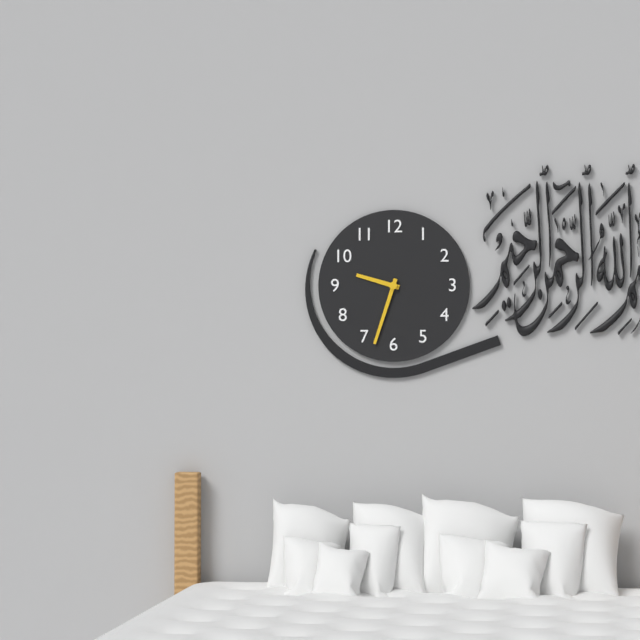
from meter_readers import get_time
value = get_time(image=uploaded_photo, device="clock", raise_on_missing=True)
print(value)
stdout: 9:33
